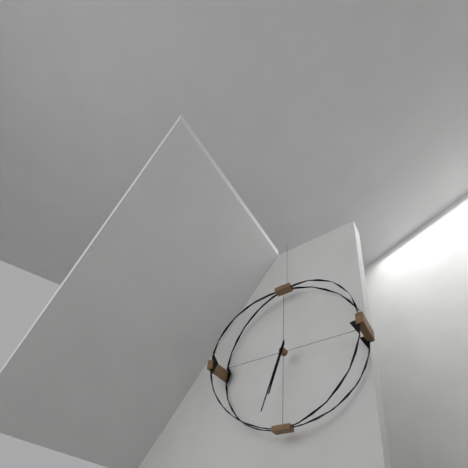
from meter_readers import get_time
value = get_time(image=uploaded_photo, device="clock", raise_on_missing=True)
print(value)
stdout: 6:33
